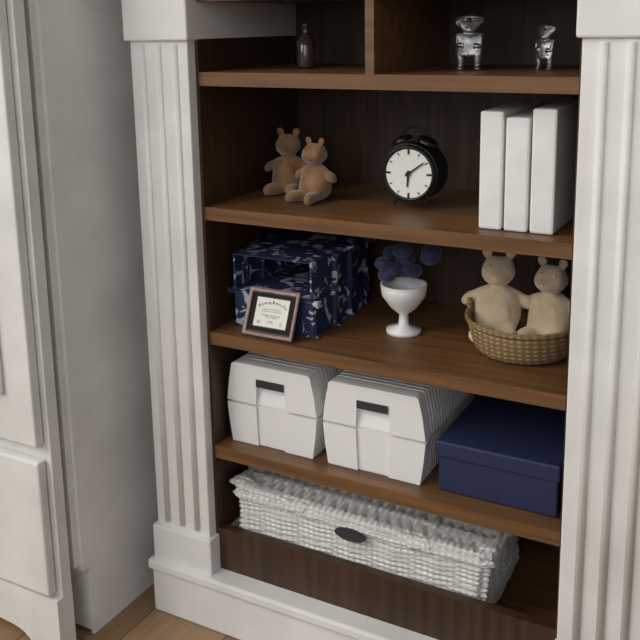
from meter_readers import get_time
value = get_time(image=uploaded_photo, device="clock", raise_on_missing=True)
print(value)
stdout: 6:09
